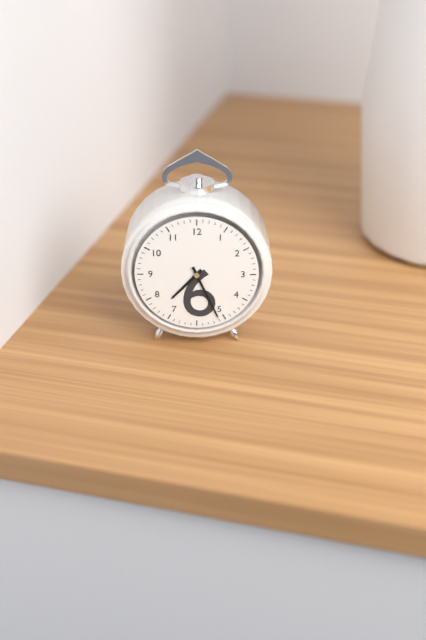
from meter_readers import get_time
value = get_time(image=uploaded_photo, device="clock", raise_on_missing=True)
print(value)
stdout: 7:26
